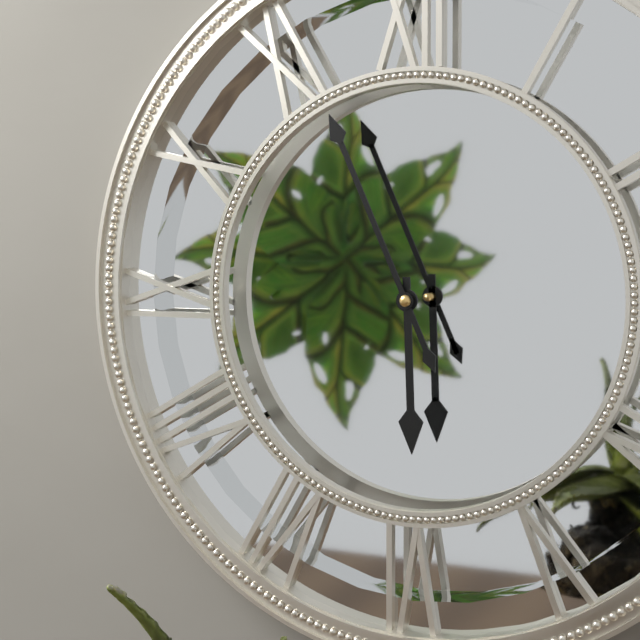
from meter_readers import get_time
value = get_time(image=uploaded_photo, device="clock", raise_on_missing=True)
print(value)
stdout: 5:56
